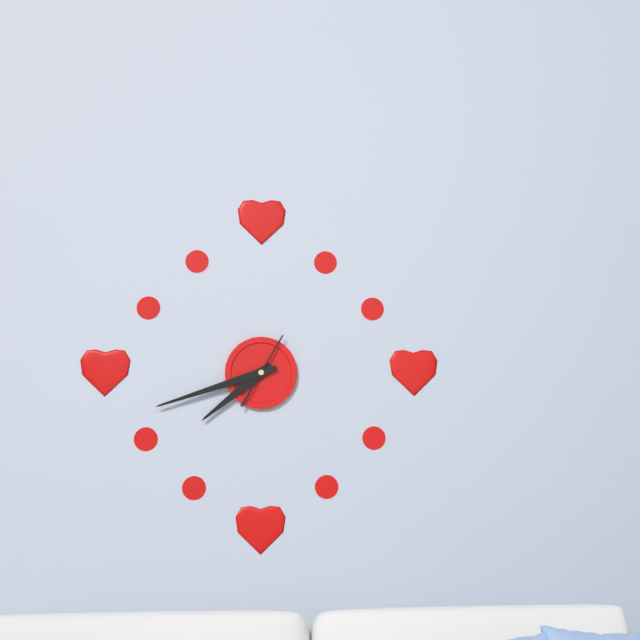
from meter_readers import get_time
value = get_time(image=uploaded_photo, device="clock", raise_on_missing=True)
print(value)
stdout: 7:42:05
